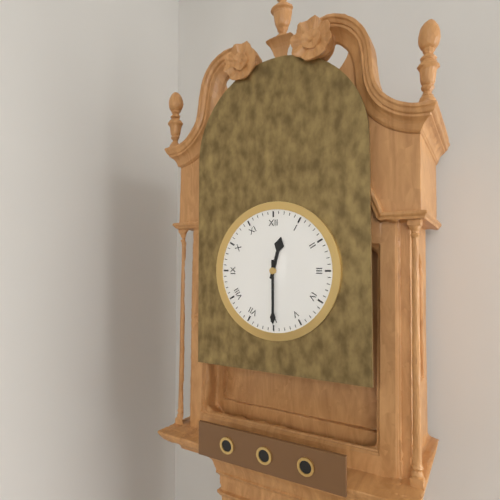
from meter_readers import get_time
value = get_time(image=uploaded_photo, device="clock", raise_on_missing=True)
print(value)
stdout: 12:30
